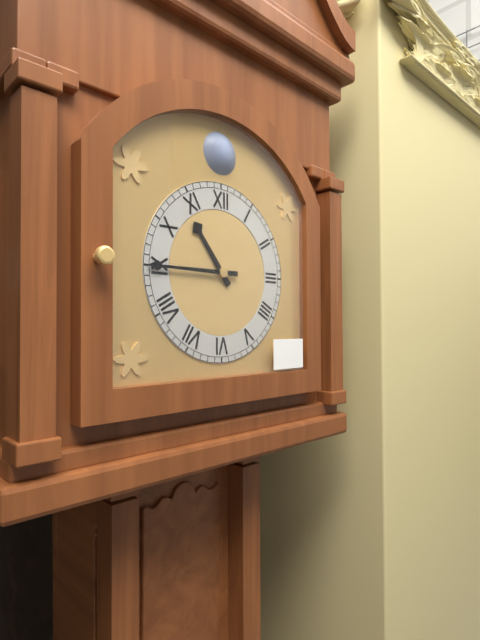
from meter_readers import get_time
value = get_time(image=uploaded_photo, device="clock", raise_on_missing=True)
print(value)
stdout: 10:45
